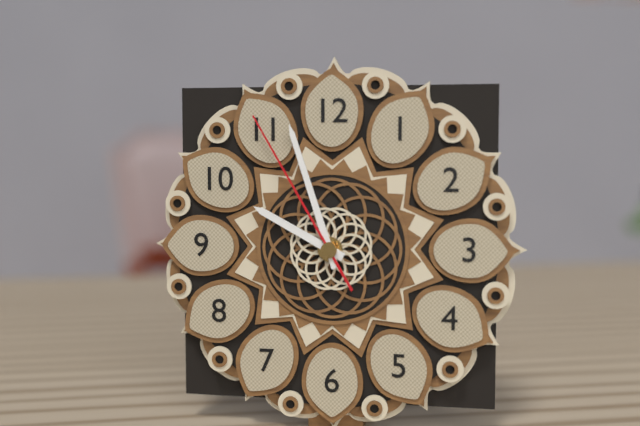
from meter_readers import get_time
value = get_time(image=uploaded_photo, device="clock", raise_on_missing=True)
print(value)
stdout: 9:57:55
